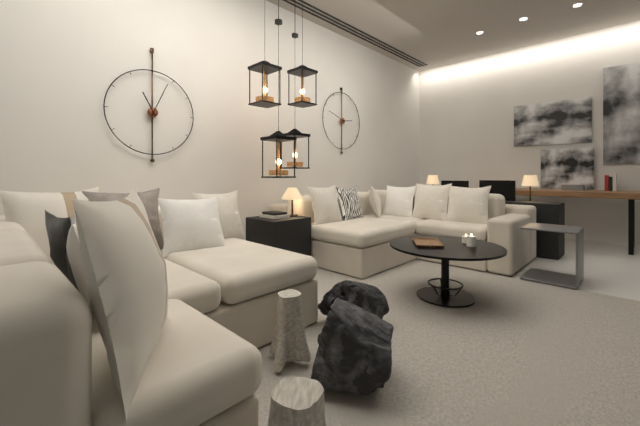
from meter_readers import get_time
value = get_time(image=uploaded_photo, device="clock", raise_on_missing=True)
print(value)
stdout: 11:04
